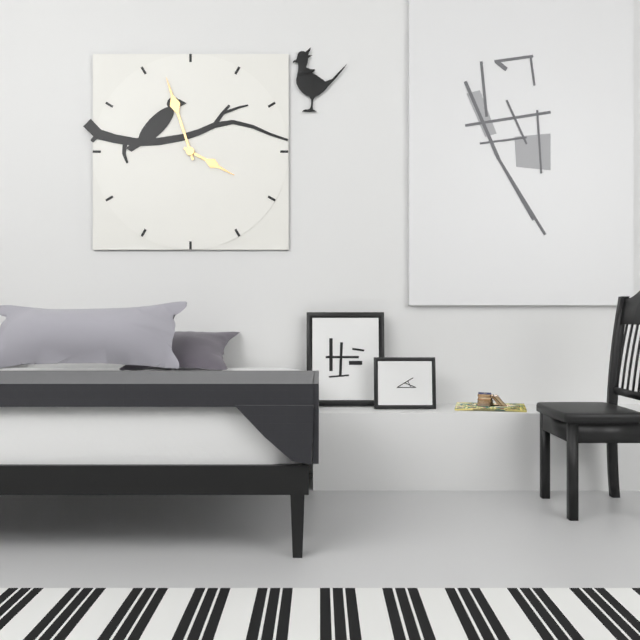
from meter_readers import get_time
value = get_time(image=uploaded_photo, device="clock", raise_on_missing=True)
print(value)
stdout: 3:57
